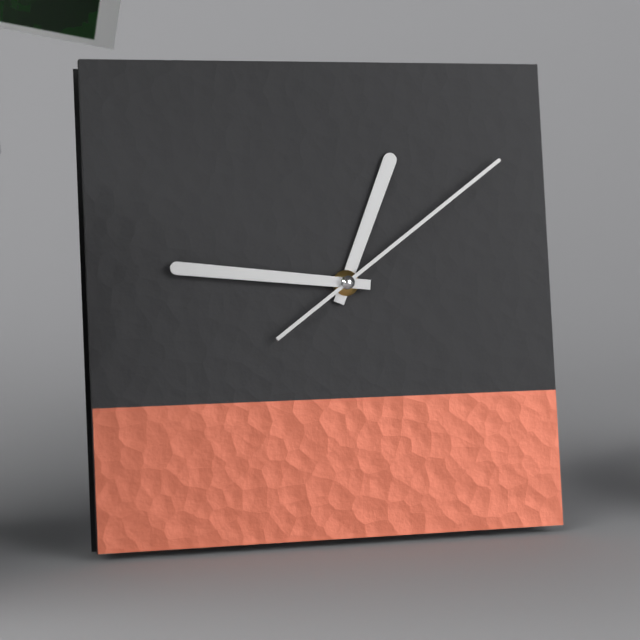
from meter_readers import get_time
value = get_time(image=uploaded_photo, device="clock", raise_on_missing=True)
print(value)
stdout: 12:46:09
